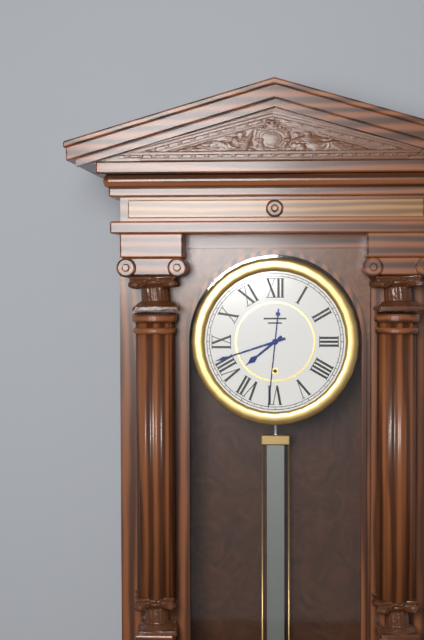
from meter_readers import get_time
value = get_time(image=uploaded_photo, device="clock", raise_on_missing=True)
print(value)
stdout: 7:42:31
